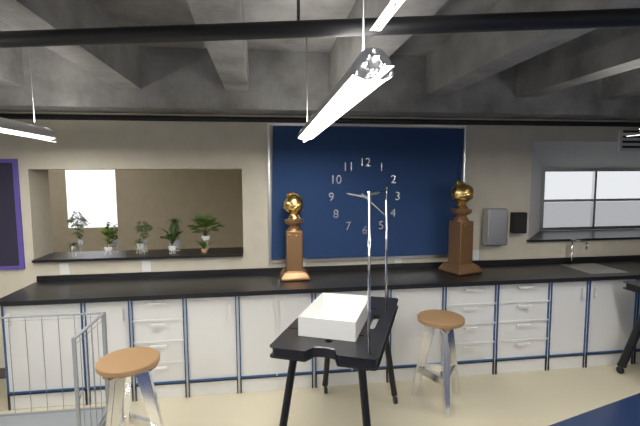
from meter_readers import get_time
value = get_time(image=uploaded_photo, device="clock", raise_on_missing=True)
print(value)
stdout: 9:22
